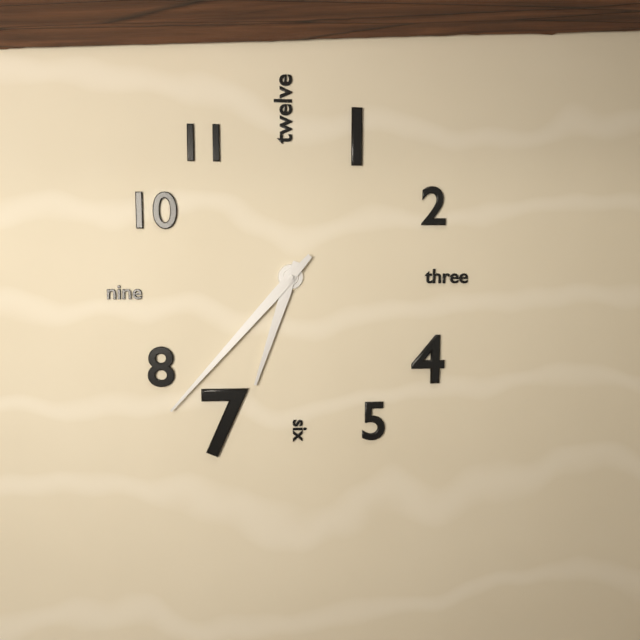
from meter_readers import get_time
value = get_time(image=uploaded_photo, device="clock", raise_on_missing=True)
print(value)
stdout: 6:37
